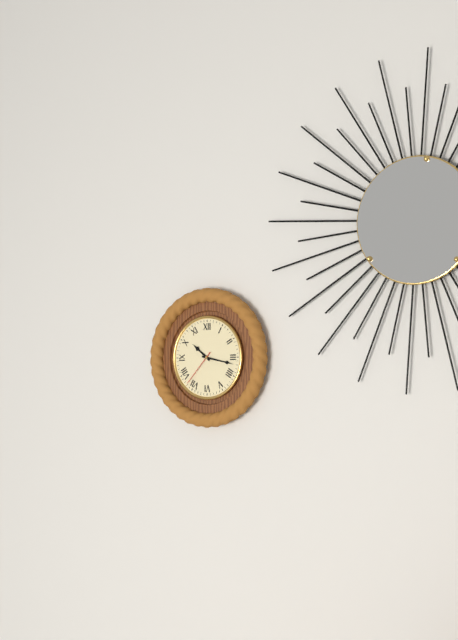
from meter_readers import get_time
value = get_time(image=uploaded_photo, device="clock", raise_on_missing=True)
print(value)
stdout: 10:17
